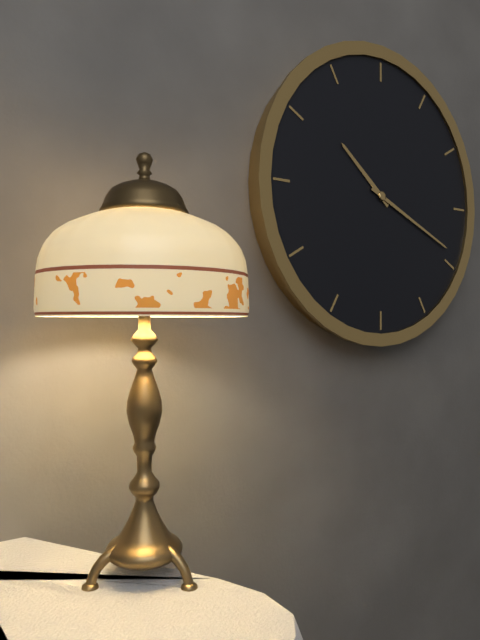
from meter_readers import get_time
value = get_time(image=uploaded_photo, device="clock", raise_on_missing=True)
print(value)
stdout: 10:19
